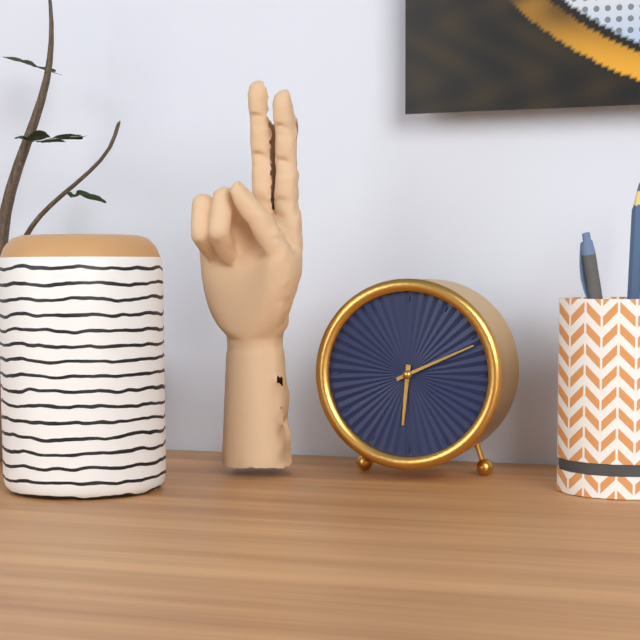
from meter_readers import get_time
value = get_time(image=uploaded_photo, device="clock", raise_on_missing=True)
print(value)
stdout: 6:11
